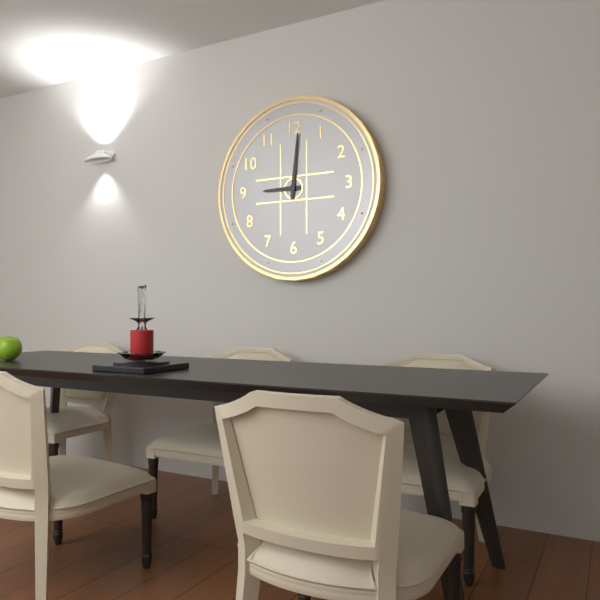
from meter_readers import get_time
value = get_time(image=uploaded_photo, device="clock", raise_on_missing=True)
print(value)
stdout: 9:01
